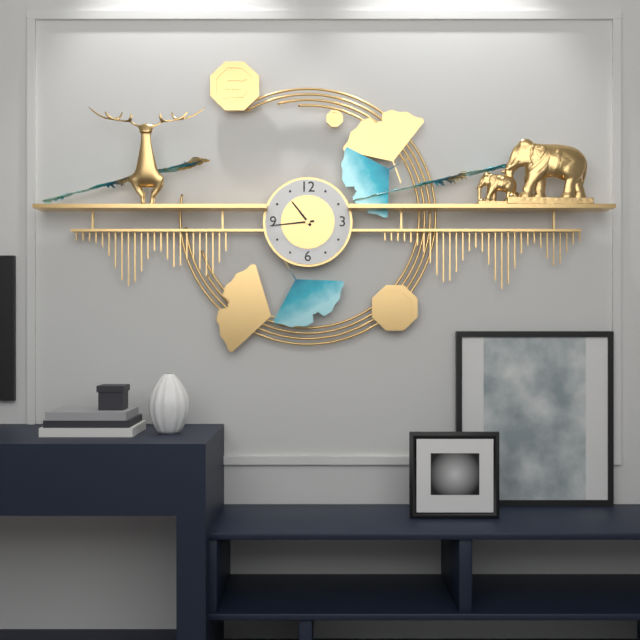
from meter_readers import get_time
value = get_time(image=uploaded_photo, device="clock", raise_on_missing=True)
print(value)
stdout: 10:44
